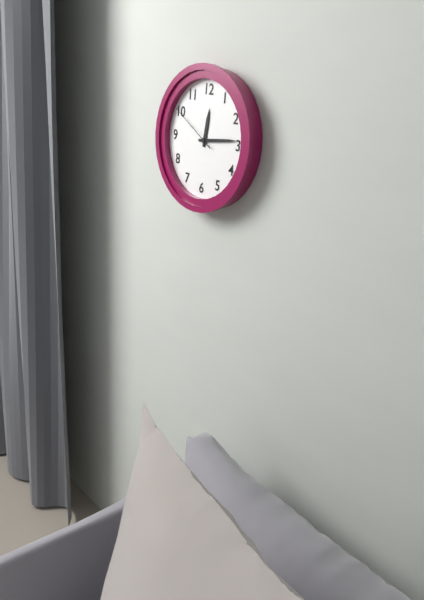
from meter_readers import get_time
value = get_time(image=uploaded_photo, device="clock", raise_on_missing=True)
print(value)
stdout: 12:14:50
